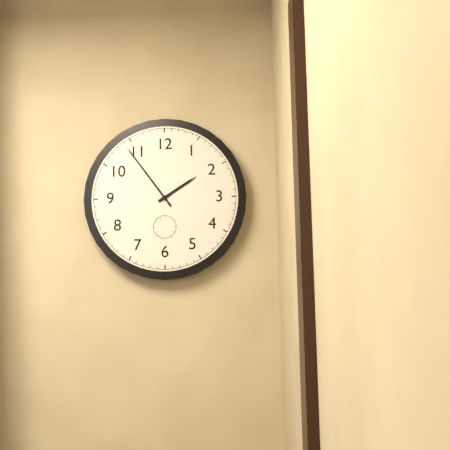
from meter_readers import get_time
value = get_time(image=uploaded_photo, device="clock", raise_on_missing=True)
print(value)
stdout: 1:54
